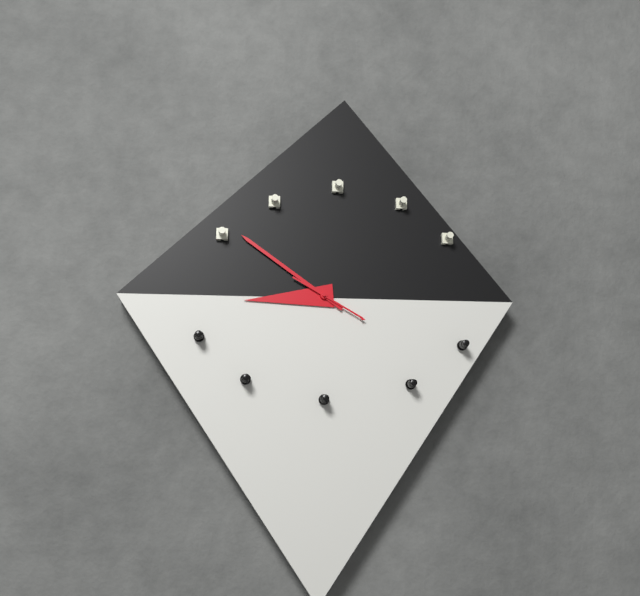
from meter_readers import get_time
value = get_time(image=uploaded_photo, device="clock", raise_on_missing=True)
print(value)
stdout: 8:51:20
